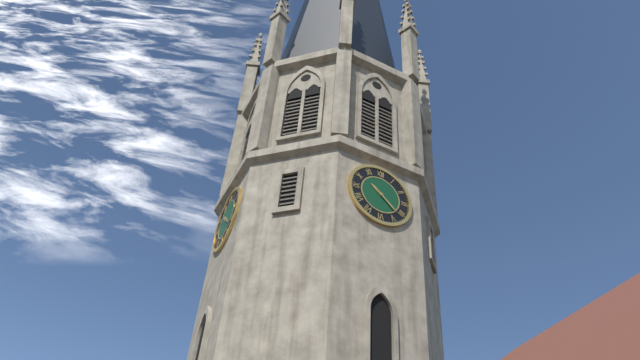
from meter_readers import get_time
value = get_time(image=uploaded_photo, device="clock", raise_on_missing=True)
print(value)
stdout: 10:22
